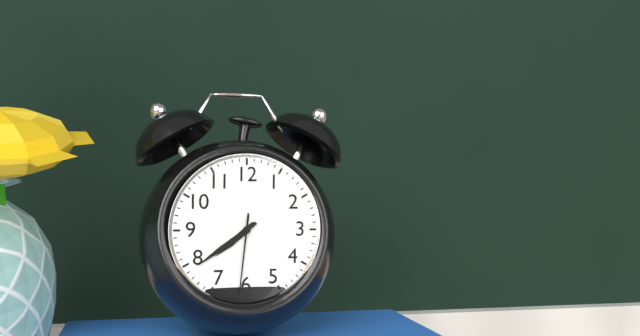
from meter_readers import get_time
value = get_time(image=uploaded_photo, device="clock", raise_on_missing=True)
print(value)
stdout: 7:39:31
